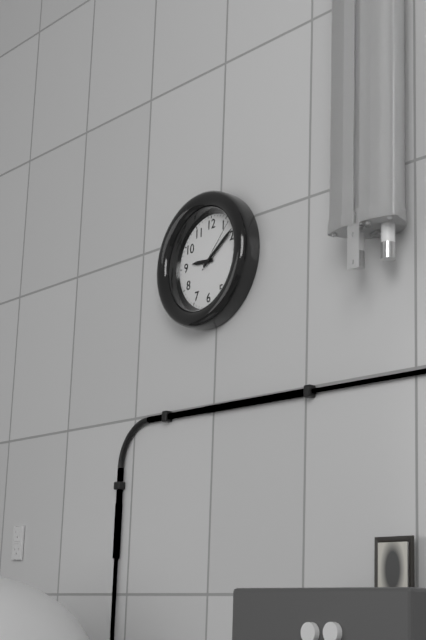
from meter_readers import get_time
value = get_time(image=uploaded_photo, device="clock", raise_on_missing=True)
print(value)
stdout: 9:09:07
